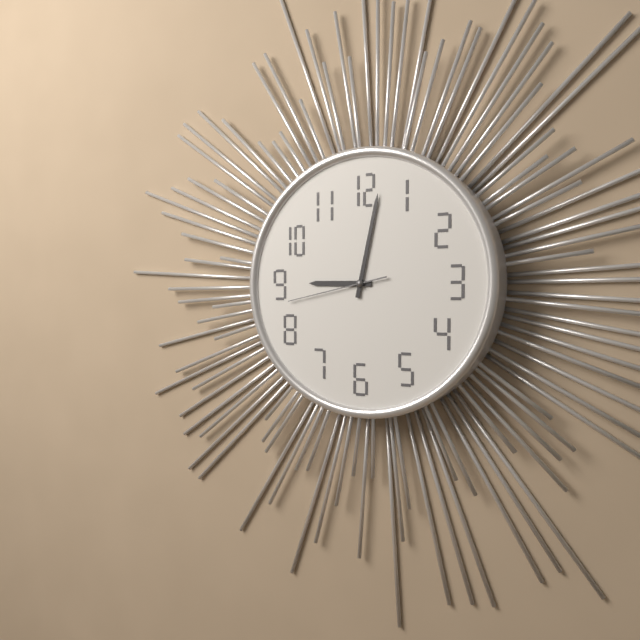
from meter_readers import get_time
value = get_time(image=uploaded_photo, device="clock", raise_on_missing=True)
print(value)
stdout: 9:02:43
